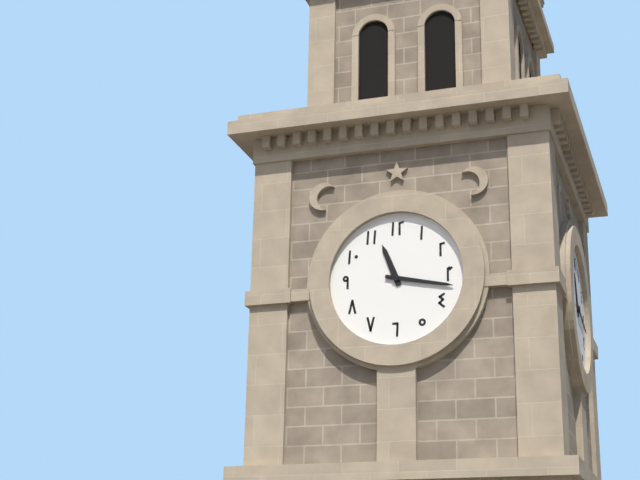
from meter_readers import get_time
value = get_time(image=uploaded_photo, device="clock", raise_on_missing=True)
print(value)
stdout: 11:17
